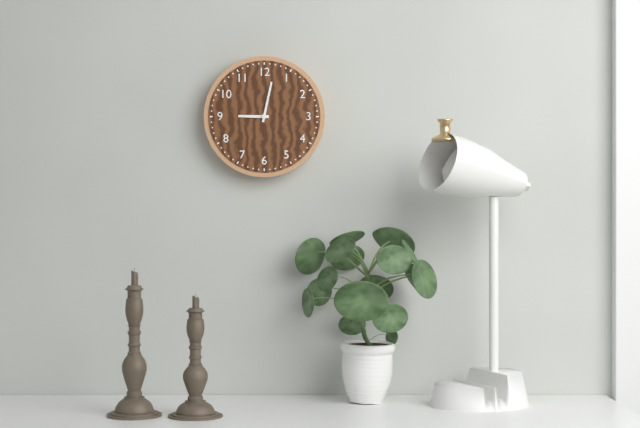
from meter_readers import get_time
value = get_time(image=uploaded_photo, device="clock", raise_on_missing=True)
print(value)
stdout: 9:02
